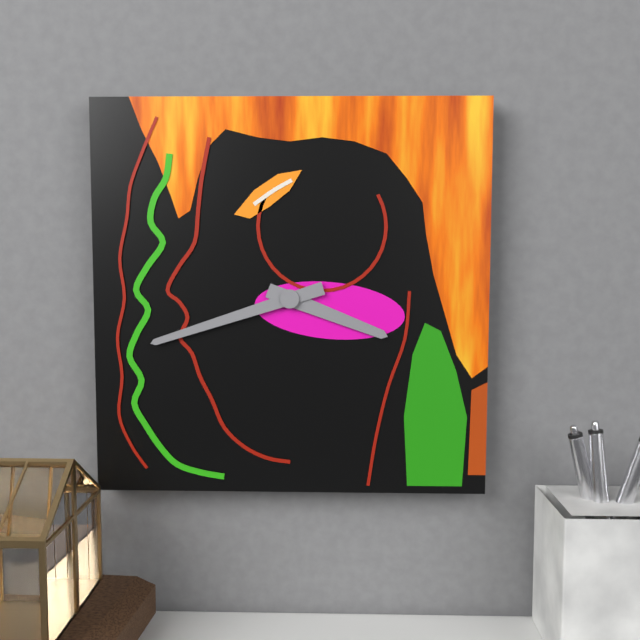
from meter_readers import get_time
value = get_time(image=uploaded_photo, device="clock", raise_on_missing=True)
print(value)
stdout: 3:42
